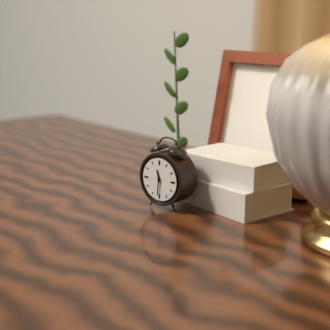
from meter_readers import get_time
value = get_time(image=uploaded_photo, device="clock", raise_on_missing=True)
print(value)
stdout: 11:31
